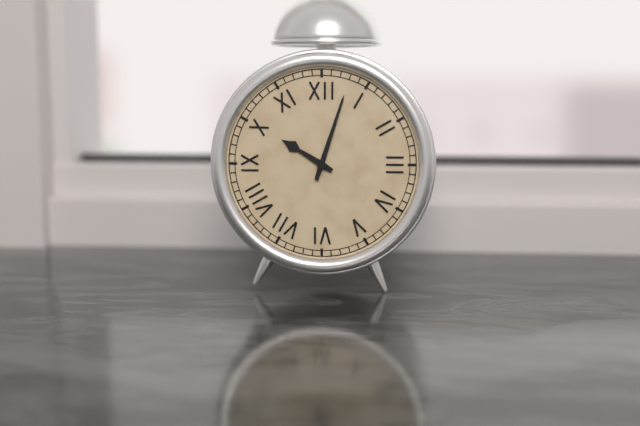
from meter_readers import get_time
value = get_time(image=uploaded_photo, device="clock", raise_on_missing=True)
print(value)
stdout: 10:03
